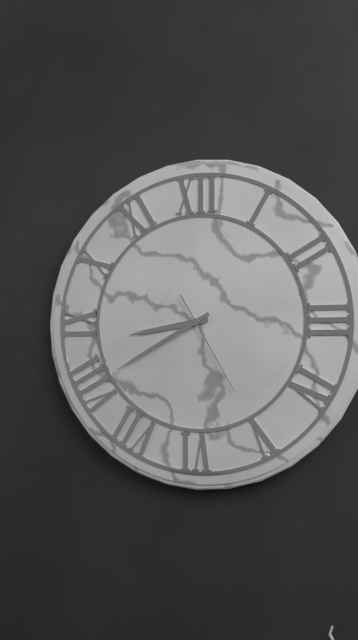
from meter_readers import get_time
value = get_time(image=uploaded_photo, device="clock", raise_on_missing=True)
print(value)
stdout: 8:40:25
